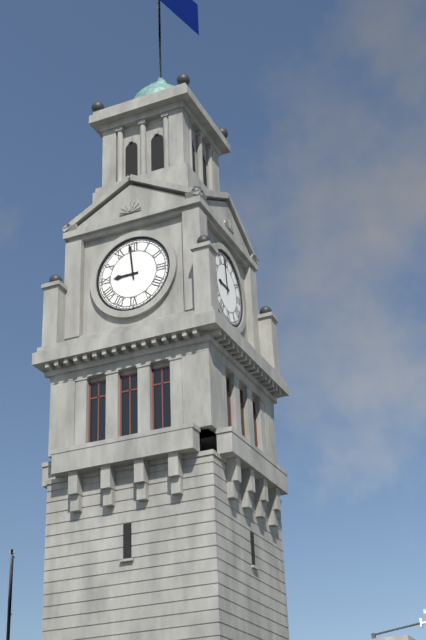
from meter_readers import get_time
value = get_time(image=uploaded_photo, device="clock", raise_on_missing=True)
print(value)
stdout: 8:59
